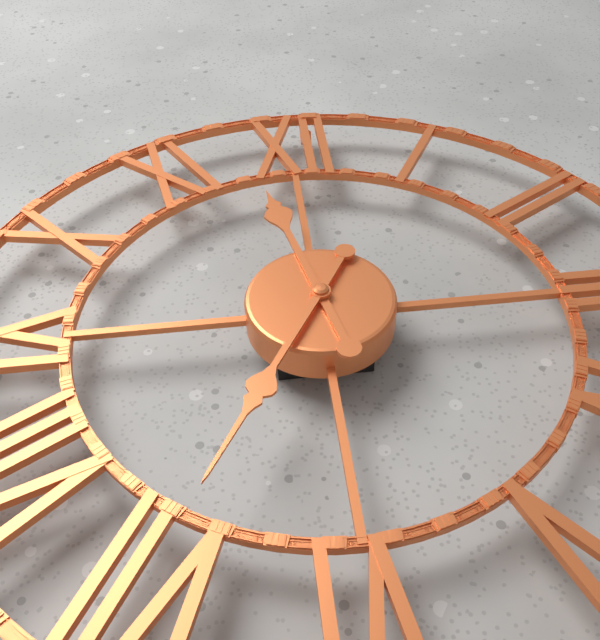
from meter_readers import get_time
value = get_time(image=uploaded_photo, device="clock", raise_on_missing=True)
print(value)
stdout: 11:35
